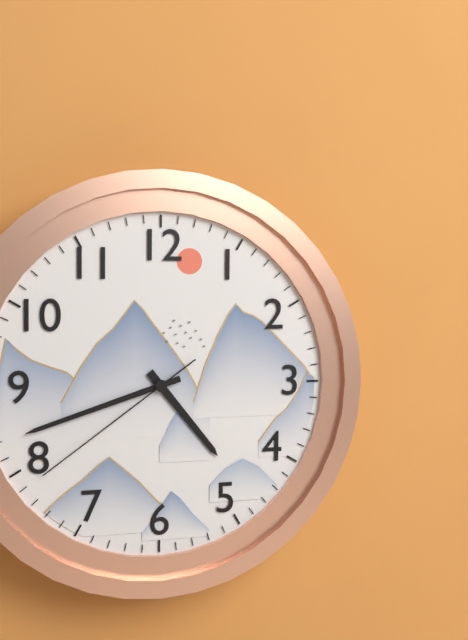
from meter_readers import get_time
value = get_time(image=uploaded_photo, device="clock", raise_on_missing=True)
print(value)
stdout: 4:42:39
